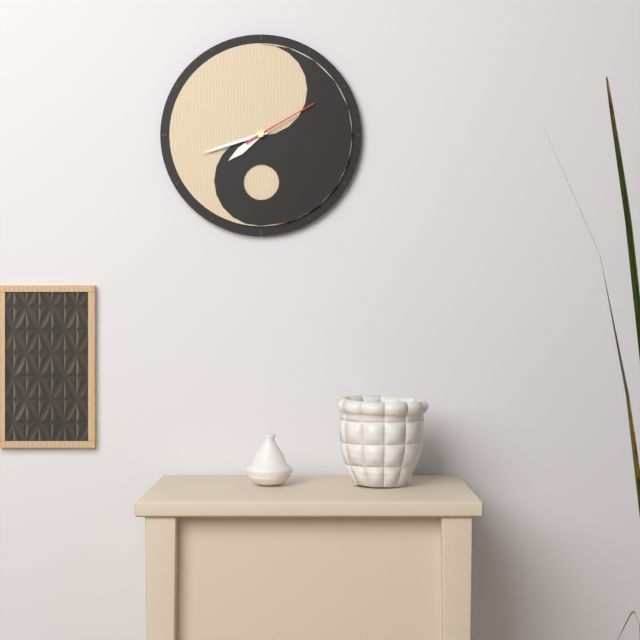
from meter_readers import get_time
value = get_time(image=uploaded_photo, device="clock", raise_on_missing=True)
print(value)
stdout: 7:42:10
